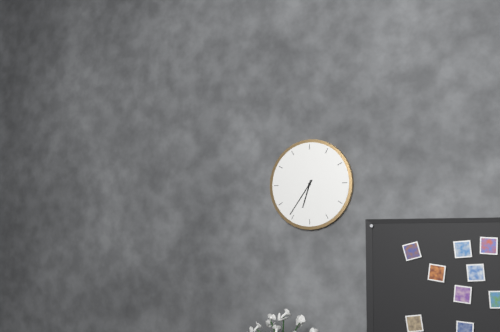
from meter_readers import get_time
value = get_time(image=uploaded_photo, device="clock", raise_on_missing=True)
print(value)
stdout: 6:36
